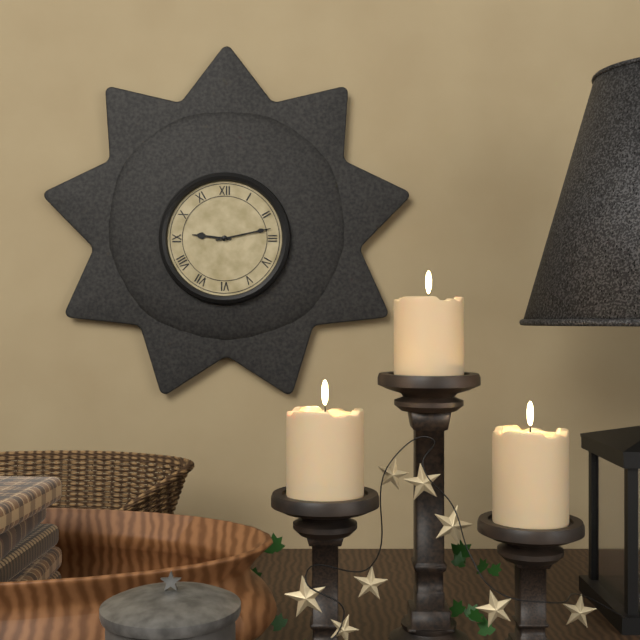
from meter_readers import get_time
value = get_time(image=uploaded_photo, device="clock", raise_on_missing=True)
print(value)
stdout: 9:13
